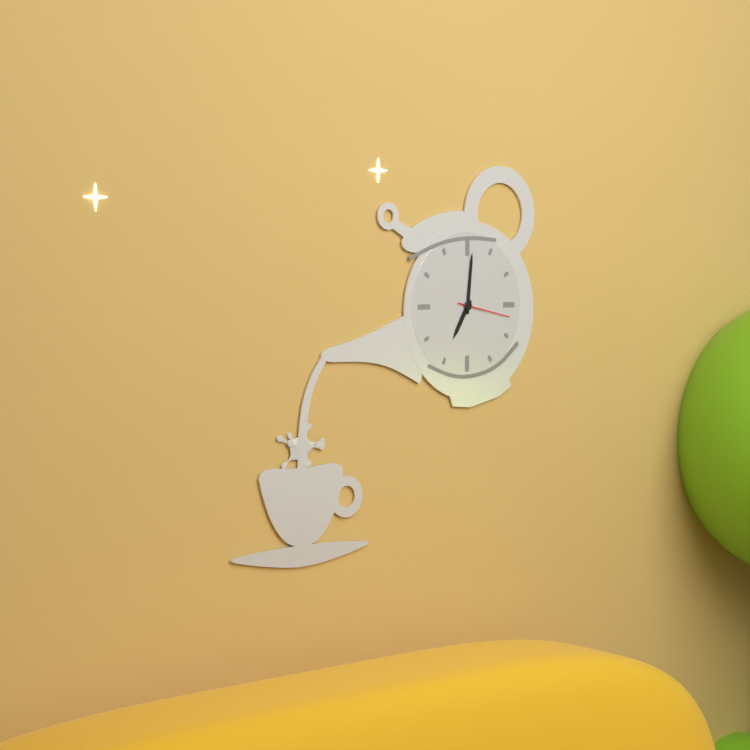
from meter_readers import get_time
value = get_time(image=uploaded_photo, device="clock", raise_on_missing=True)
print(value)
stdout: 7:01:17
